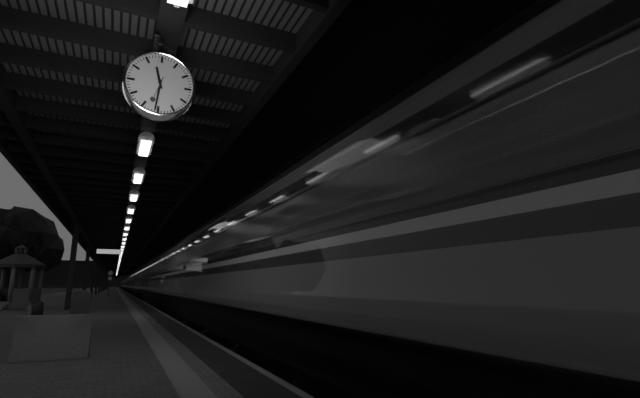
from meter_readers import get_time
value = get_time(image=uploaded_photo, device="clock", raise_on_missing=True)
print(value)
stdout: 11:31
